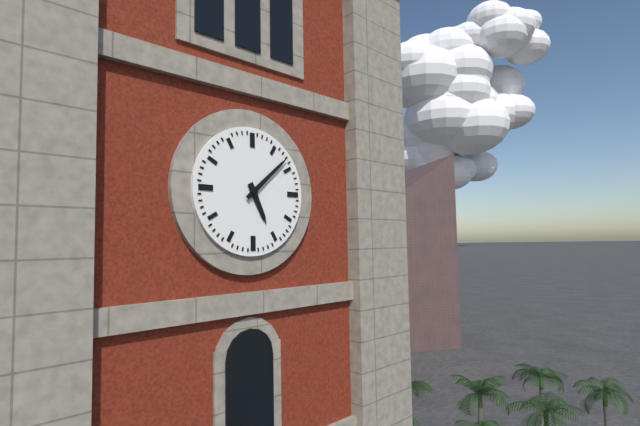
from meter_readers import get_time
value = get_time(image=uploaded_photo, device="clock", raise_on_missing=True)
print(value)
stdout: 5:08
